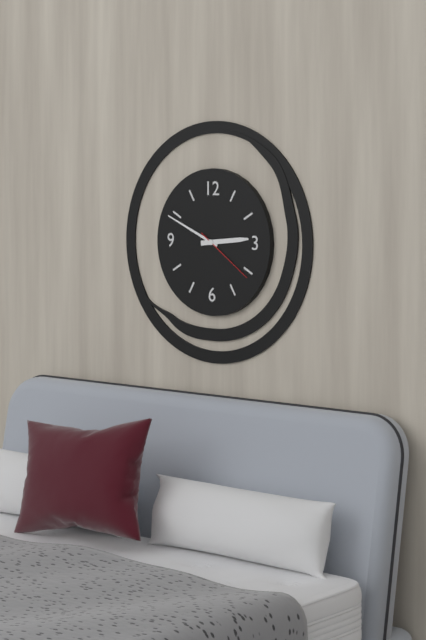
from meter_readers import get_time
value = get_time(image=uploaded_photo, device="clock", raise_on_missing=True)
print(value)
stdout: 2:49:21
